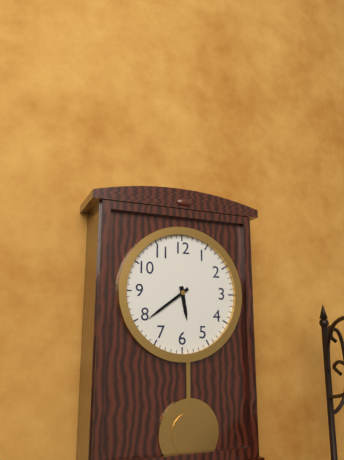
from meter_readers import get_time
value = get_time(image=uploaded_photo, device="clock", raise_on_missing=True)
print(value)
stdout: 5:39
